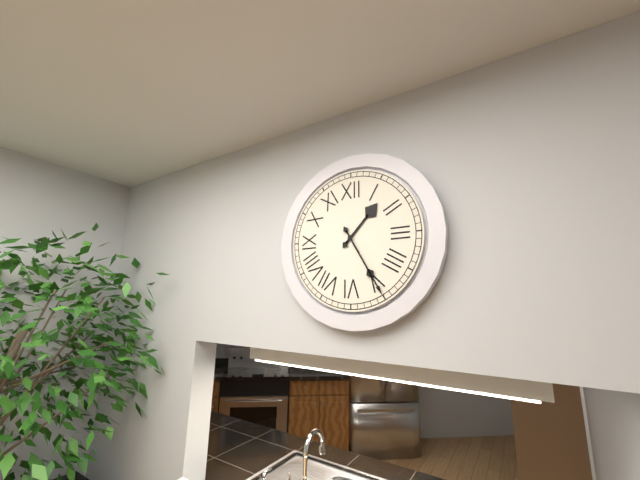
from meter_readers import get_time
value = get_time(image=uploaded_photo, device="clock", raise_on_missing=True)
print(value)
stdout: 1:25
